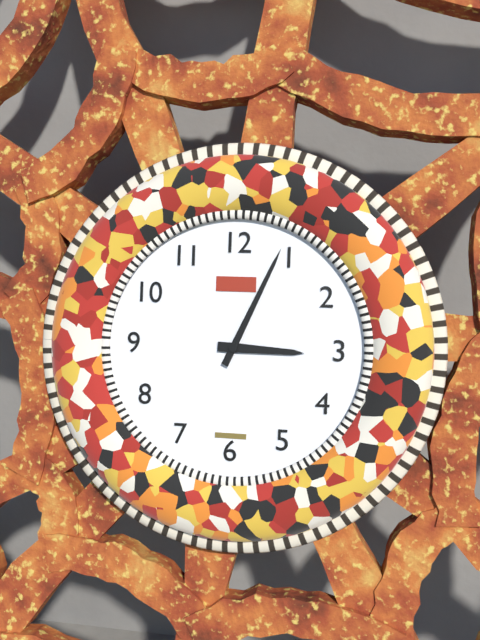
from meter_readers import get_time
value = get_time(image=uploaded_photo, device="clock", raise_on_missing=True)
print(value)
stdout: 3:04
